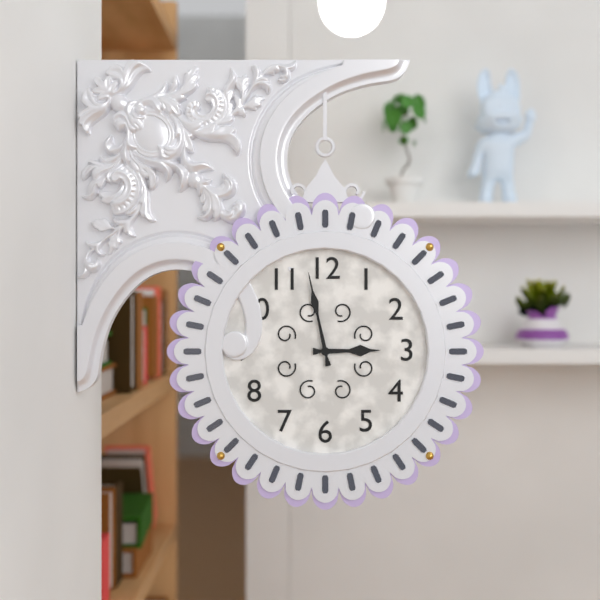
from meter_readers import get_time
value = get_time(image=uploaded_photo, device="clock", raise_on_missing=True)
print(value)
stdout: 2:58
